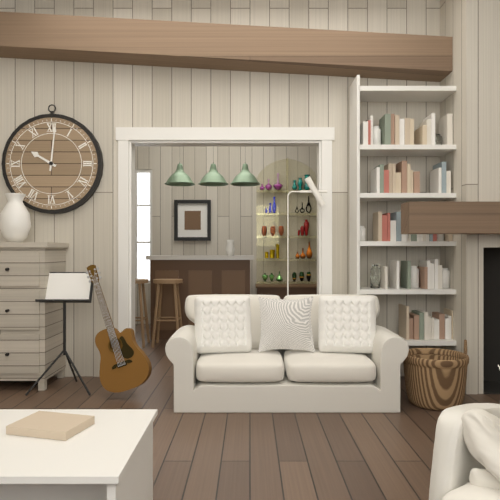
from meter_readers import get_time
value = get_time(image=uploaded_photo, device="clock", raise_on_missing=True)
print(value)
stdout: 10:01
